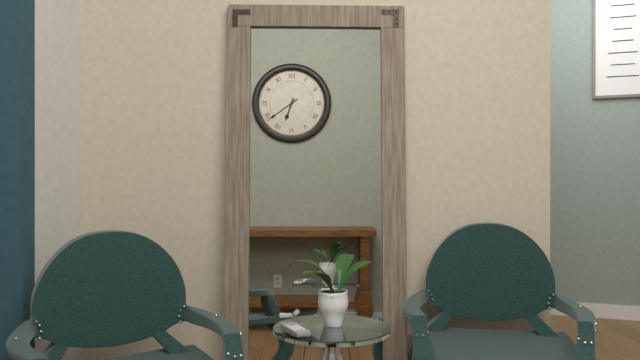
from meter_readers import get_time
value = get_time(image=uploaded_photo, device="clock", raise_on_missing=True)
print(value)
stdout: 6:39
